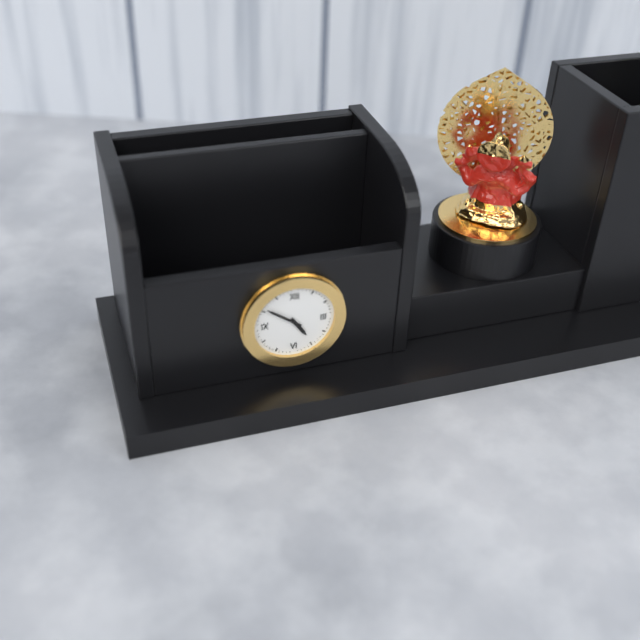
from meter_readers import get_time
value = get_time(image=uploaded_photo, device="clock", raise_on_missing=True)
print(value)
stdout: 4:51
